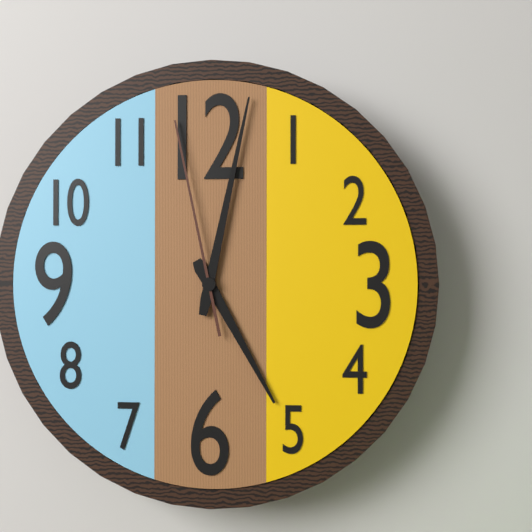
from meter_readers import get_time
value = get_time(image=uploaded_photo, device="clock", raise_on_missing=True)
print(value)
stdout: 5:02:58
